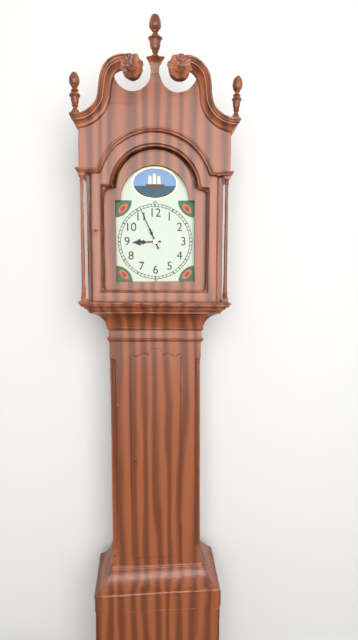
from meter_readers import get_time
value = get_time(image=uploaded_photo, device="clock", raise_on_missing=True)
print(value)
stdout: 8:56
